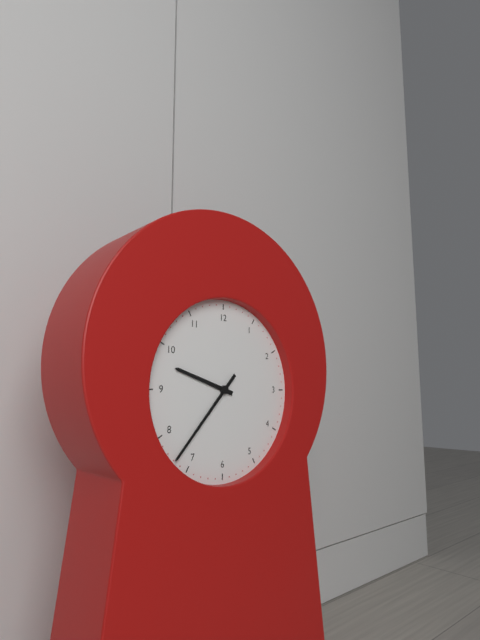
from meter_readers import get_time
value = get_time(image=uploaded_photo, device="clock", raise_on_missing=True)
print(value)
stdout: 9:37
